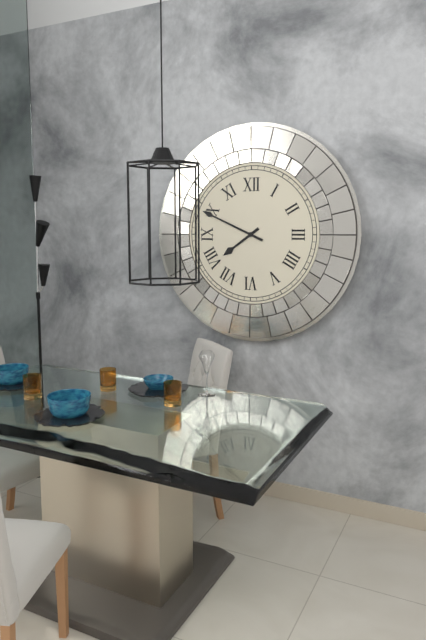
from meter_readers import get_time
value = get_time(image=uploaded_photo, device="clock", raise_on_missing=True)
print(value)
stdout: 7:49
